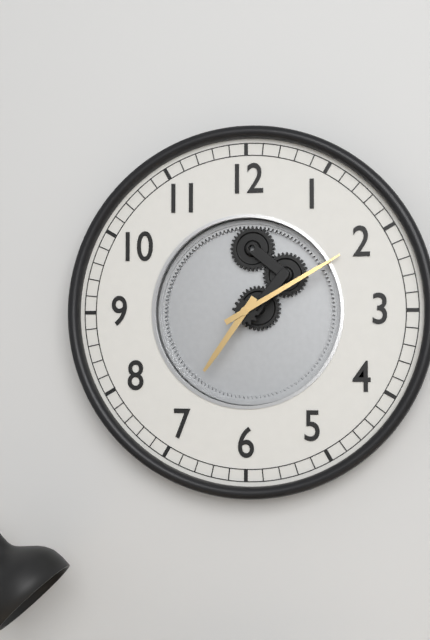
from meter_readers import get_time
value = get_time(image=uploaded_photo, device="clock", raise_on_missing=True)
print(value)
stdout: 7:10
